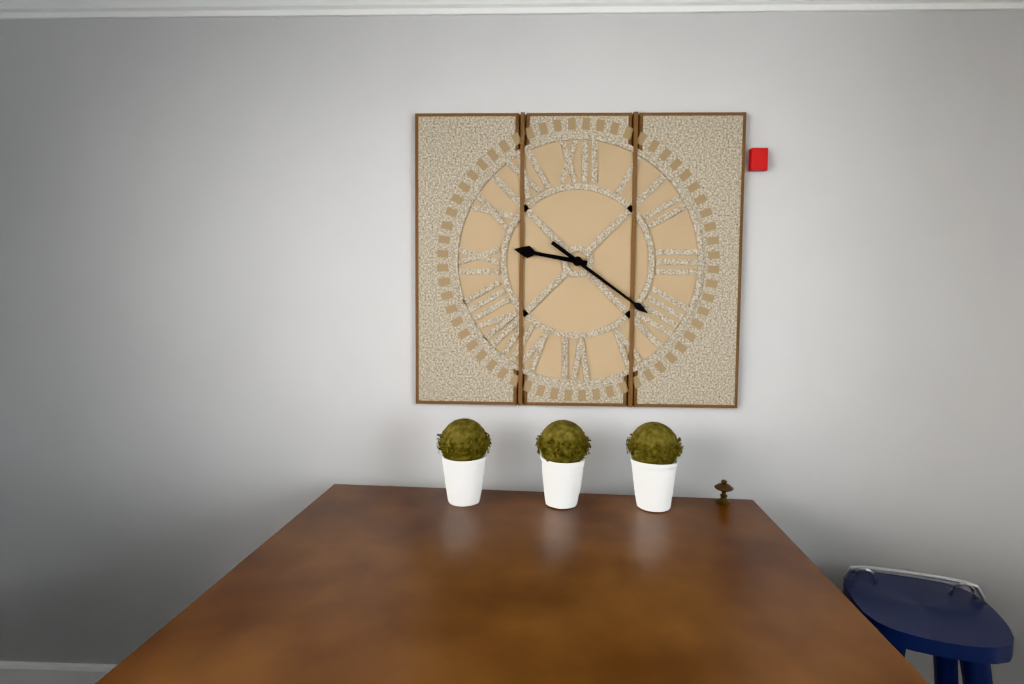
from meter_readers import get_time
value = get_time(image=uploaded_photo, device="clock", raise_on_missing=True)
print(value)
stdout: 9:21
